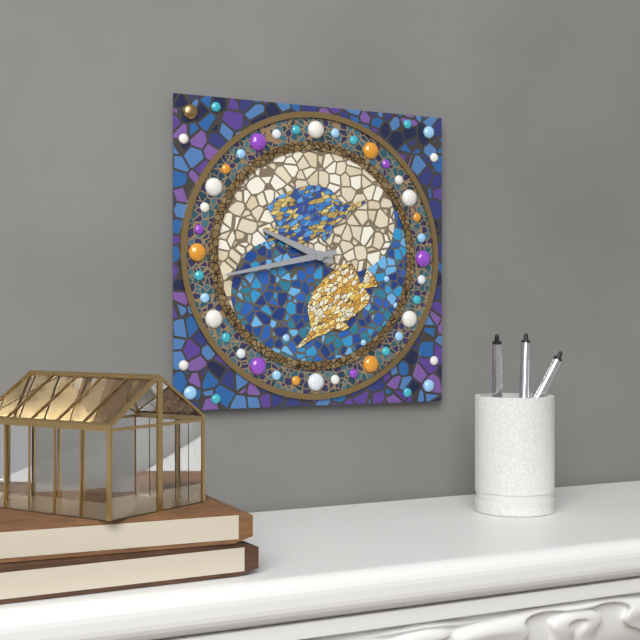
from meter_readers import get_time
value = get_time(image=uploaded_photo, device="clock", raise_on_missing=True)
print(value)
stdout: 9:43
